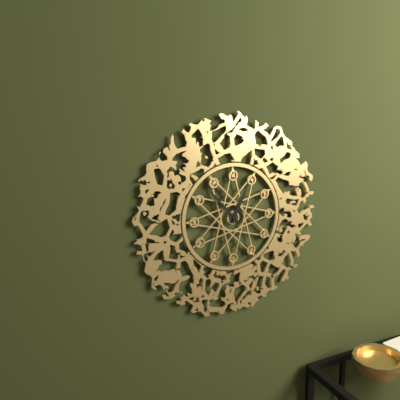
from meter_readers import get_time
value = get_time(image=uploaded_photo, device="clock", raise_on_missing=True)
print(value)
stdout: 12:53
